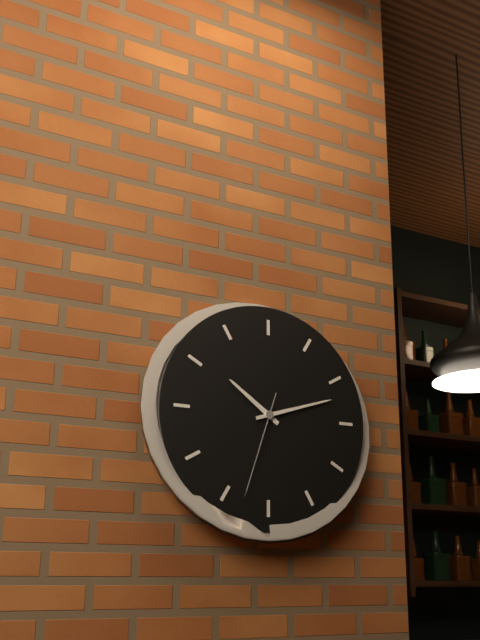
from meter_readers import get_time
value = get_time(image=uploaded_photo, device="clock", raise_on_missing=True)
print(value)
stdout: 10:12:33
